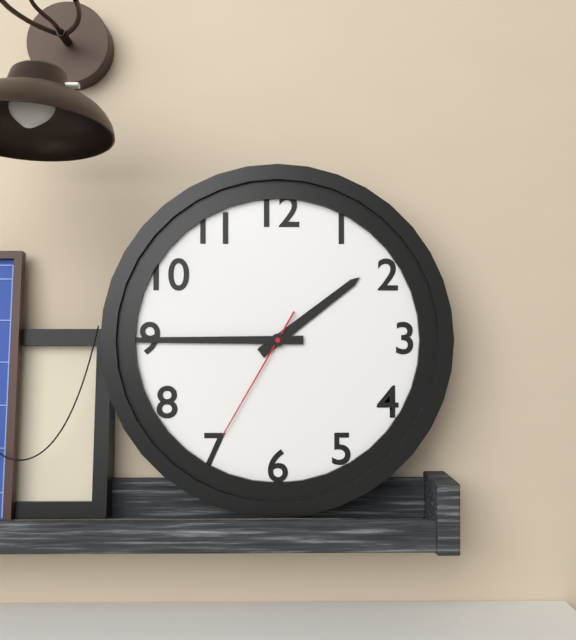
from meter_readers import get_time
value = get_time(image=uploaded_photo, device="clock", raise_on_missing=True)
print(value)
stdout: 1:45:35
